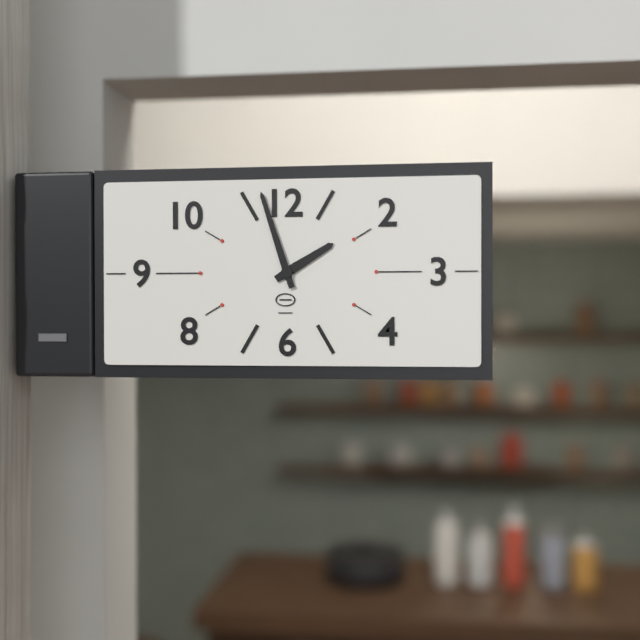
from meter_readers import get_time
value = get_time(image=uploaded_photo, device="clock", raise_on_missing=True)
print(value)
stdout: 1:57
